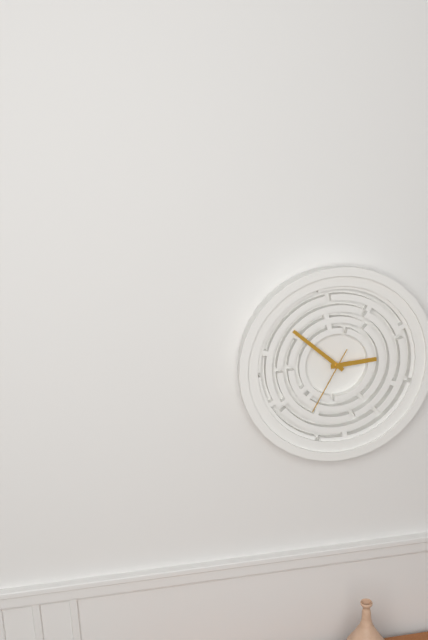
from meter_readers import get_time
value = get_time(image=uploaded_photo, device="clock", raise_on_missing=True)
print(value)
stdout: 2:52:35
